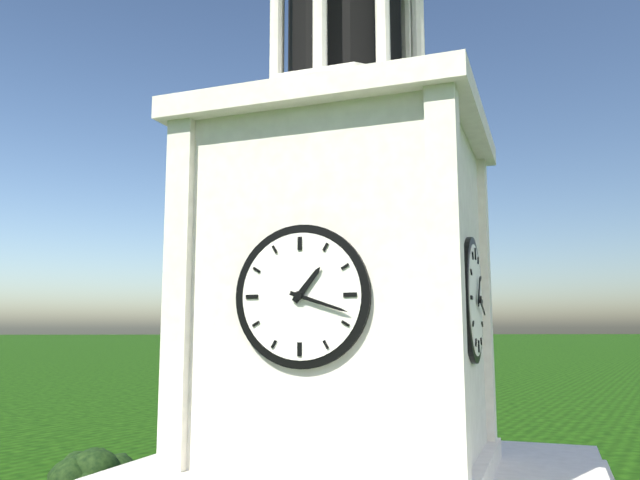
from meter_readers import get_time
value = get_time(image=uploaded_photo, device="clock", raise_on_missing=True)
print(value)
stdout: 1:18
